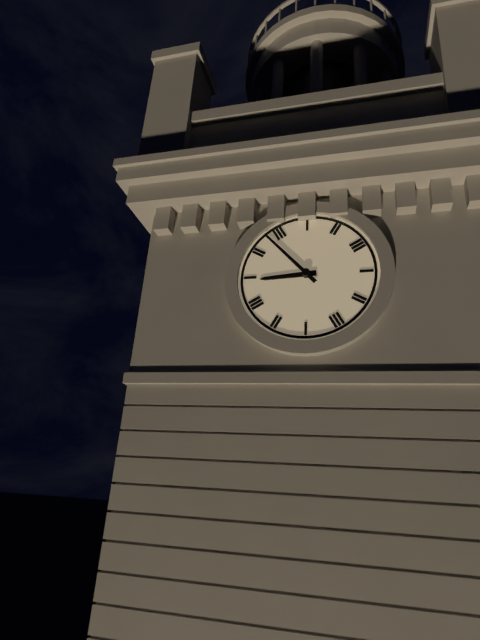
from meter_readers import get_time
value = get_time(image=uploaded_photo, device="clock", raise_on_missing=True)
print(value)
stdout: 8:53
